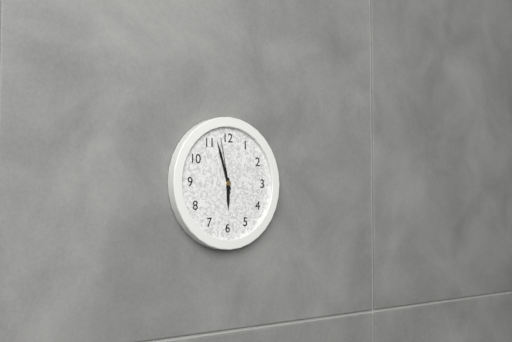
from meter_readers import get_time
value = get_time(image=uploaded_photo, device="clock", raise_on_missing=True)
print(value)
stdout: 5:57:58
